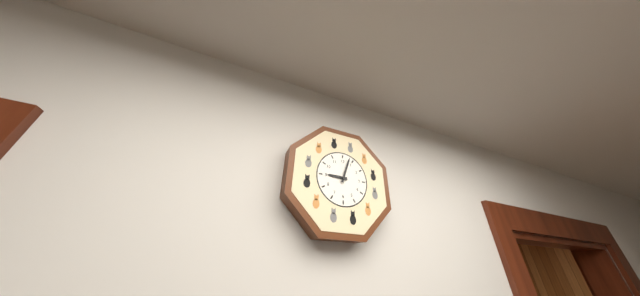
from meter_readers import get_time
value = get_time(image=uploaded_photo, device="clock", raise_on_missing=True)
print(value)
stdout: 9:03
